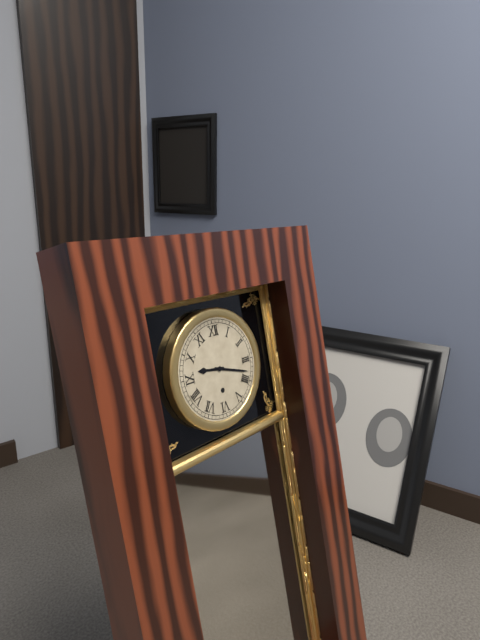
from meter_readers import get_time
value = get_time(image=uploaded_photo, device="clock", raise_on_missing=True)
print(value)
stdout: 9:18
